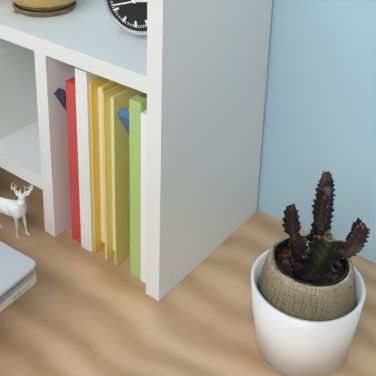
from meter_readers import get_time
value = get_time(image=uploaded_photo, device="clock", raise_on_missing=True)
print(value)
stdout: 2:42
